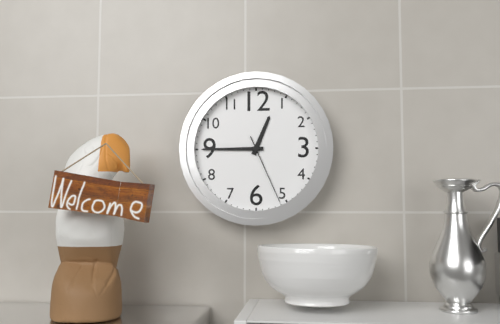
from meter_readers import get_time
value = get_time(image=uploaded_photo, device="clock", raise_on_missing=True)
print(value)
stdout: 12:45:26
